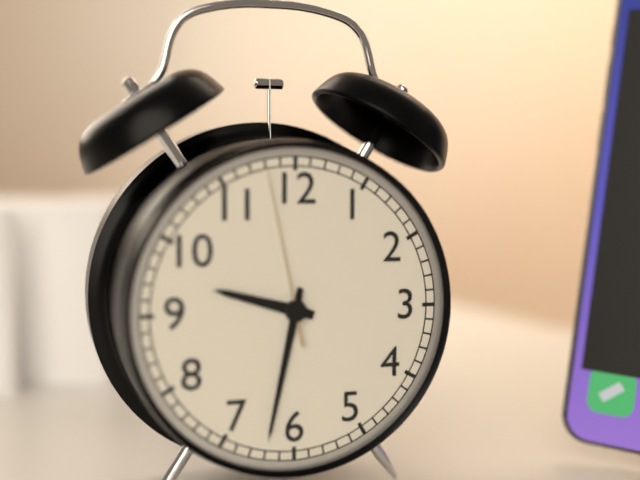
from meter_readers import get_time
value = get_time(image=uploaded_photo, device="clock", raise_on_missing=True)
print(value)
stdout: 9:32:58
